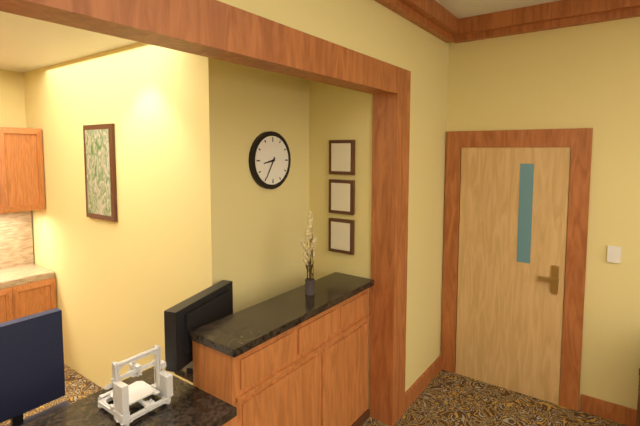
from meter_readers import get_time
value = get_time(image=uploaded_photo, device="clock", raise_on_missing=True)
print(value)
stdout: 8:35
